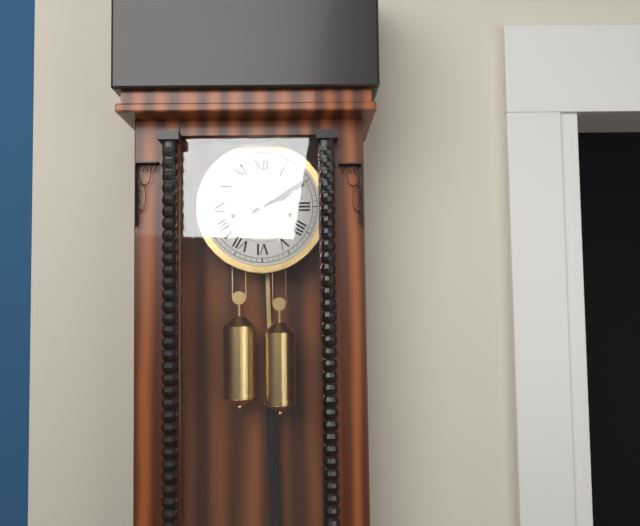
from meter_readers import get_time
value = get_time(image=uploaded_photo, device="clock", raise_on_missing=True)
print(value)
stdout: 2:10
